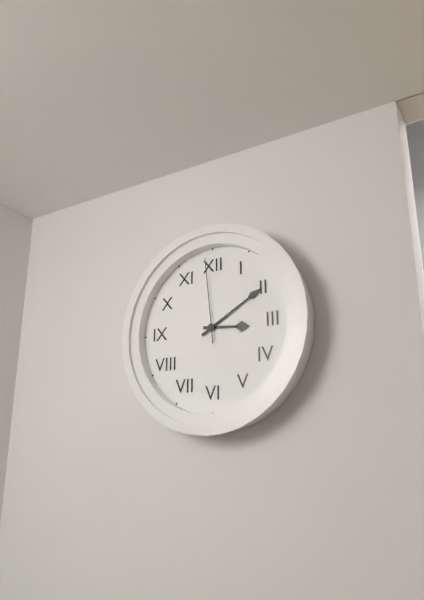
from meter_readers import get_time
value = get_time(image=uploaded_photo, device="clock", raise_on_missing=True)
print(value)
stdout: 3:10:59
